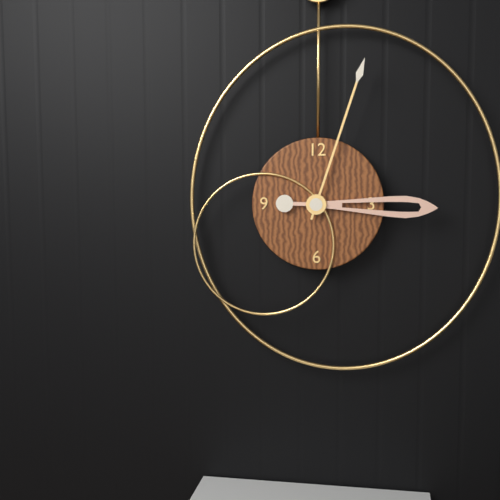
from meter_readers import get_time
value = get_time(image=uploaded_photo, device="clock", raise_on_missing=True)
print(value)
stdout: 3:03
